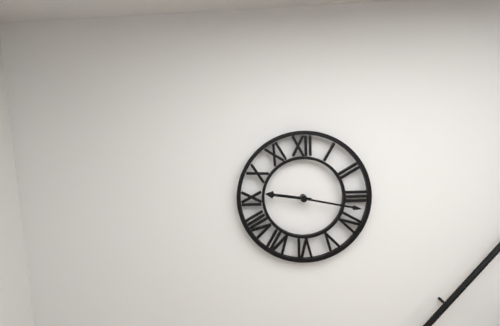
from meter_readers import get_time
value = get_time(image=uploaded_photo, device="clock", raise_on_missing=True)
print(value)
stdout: 9:17
